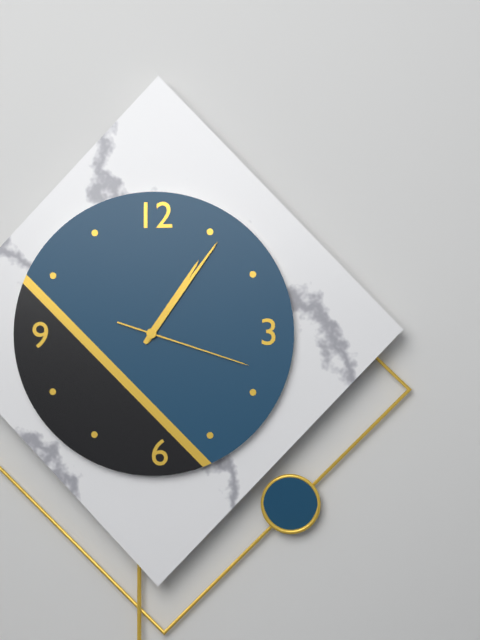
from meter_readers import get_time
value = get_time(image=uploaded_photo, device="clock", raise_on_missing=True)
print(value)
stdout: 1:06:18
